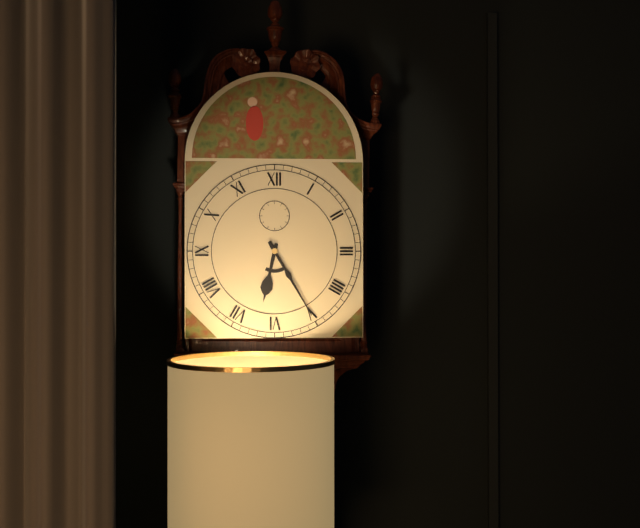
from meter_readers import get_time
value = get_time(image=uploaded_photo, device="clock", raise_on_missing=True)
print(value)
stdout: 6:25
